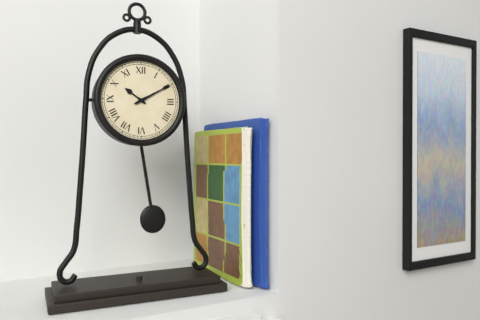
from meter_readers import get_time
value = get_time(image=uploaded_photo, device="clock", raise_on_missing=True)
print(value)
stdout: 10:10
